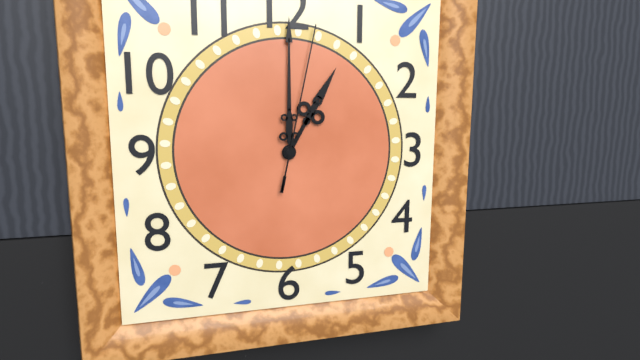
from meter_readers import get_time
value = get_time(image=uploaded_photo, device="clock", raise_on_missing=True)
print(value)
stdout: 1:00:02
